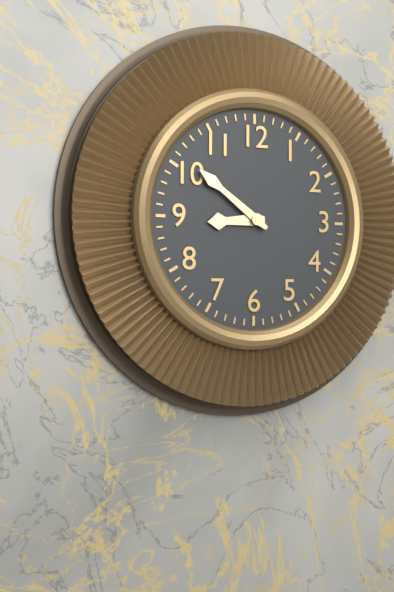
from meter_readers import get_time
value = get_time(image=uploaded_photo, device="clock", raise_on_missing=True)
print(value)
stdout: 8:51
